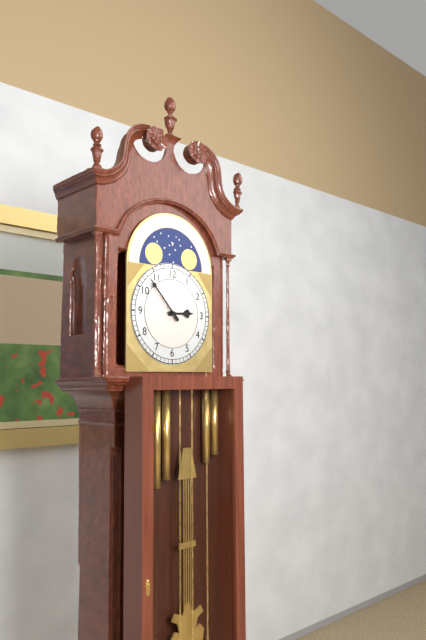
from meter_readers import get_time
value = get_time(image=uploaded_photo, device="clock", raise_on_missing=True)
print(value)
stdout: 2:53
